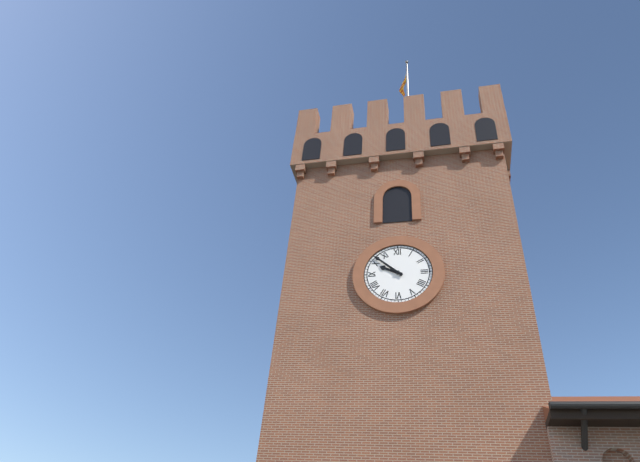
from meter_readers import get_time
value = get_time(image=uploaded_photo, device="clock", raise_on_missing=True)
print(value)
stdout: 9:52
